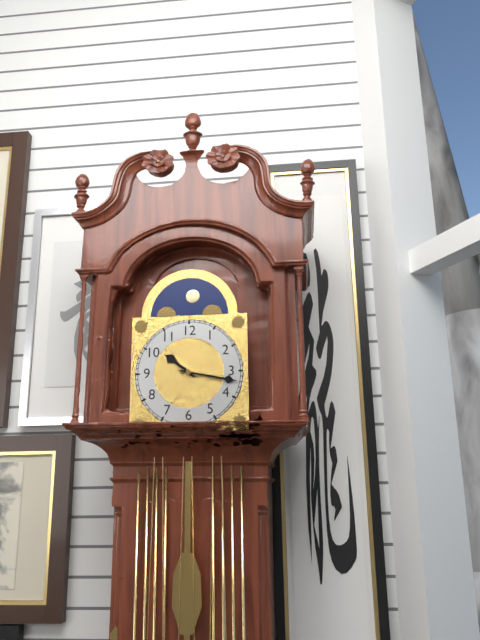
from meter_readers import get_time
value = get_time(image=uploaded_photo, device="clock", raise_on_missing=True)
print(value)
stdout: 10:17
